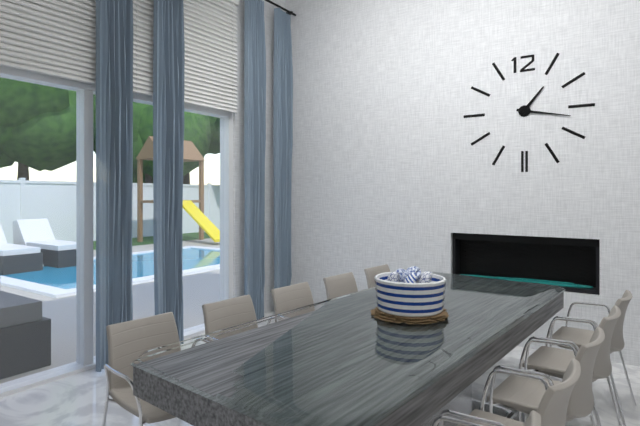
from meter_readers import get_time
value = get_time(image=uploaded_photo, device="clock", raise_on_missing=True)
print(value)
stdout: 1:17
